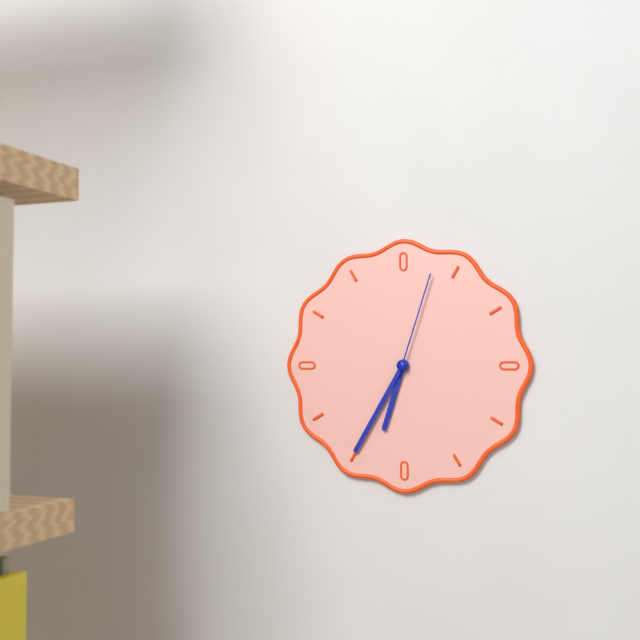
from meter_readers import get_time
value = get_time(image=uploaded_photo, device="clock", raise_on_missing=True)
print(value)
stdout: 6:35:03
